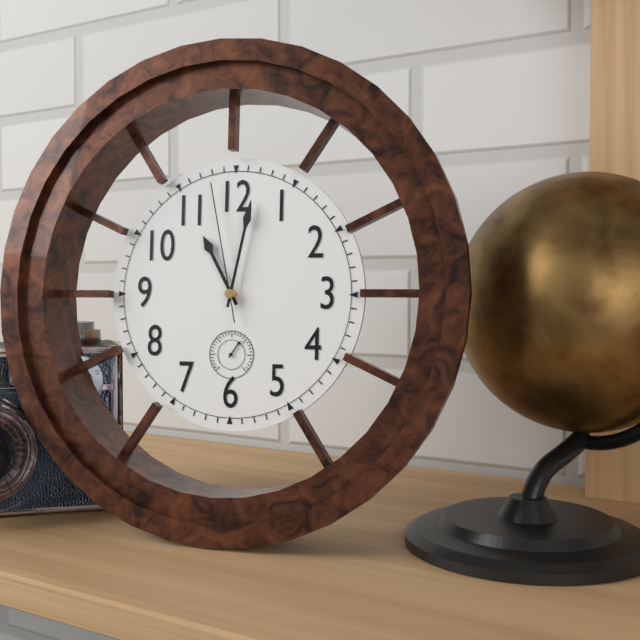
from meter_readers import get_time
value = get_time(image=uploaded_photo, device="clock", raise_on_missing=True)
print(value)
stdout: 11:02:58
